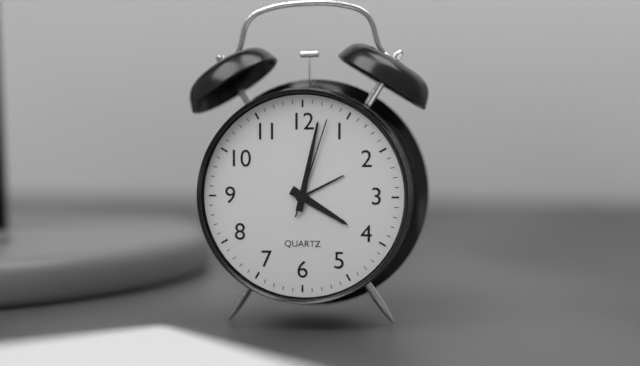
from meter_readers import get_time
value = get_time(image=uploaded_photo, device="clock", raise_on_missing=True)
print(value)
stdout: 4:02:03
